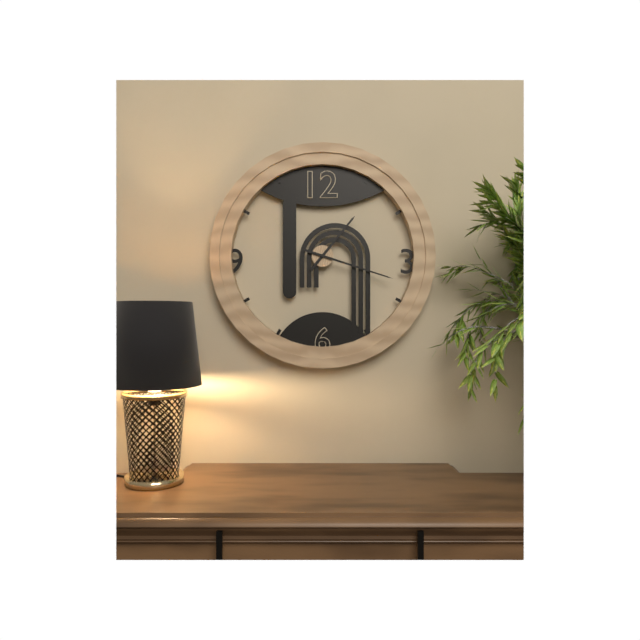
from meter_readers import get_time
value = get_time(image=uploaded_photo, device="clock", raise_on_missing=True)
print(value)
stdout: 1:18
